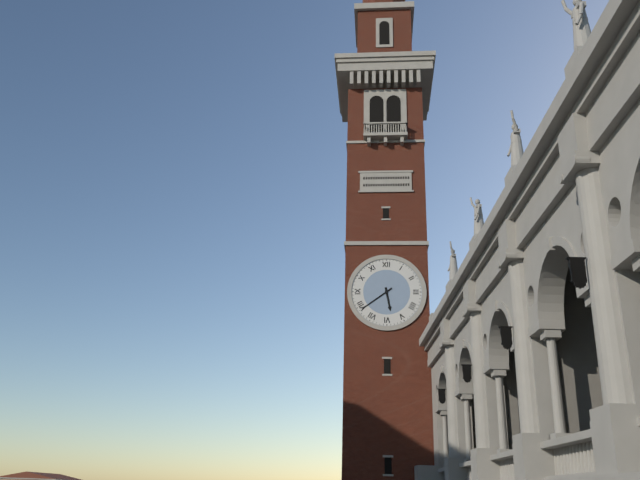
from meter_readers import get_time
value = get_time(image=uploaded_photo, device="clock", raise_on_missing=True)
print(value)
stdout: 5:39
